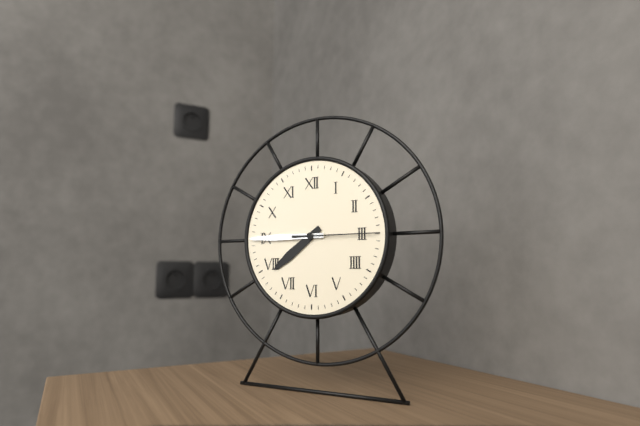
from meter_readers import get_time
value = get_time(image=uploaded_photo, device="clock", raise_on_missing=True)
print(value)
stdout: 7:45:15
